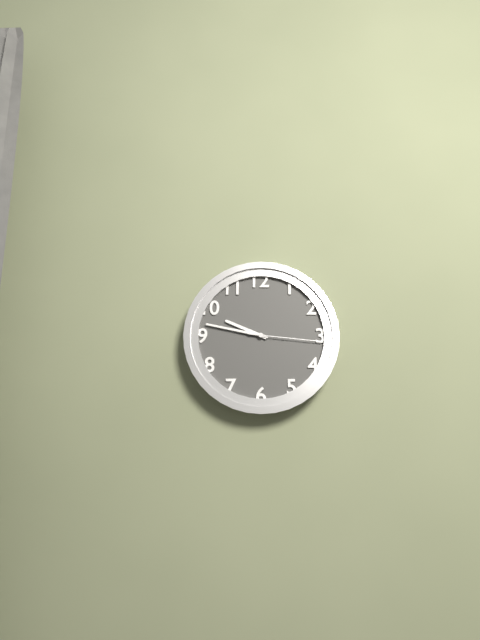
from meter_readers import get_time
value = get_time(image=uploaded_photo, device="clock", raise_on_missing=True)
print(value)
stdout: 9:47:16
